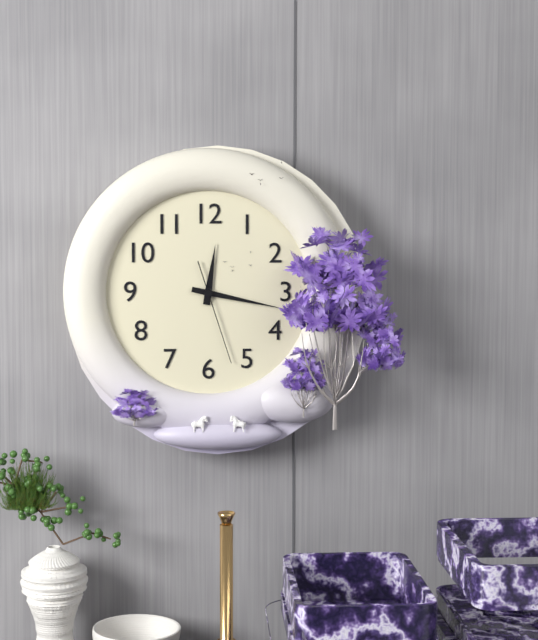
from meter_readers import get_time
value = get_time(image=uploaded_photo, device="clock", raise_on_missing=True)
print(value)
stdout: 12:17:27
